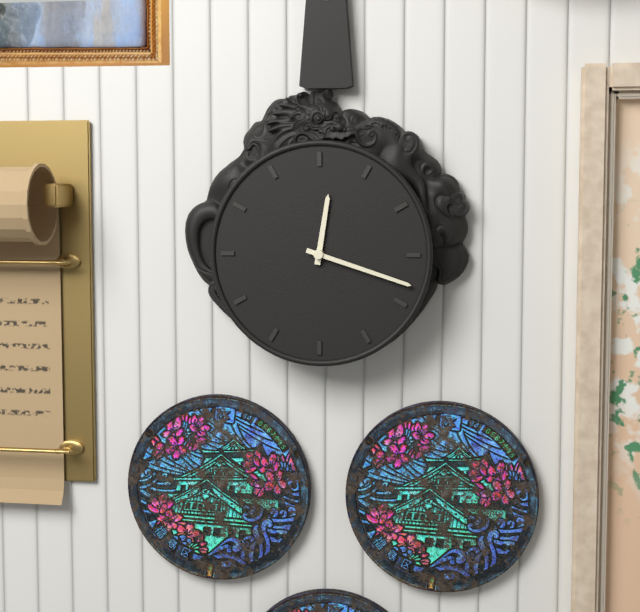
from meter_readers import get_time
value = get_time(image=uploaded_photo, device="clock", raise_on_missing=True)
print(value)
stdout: 12:18
